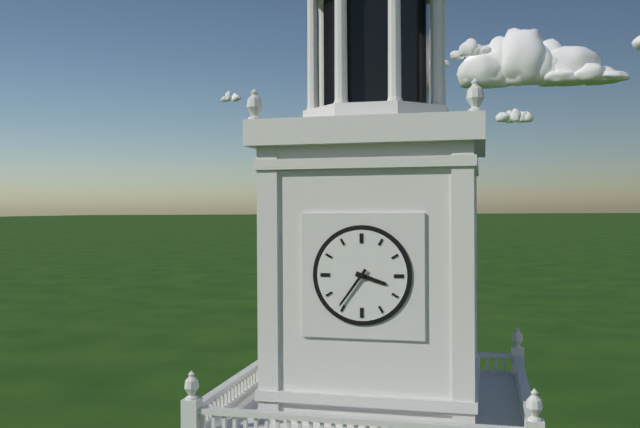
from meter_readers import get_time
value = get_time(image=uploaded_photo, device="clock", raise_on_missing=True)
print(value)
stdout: 3:36
